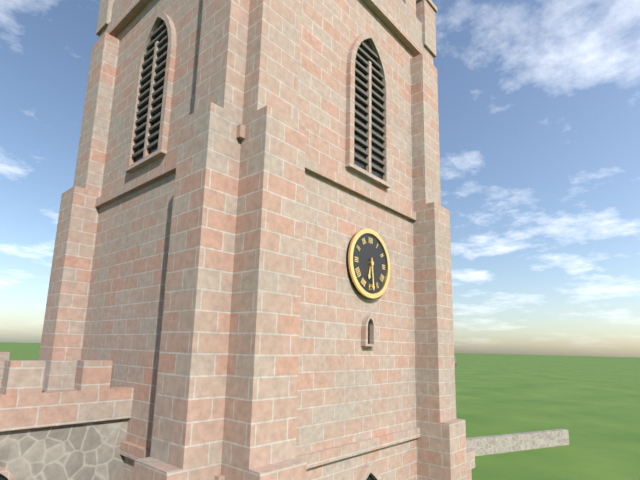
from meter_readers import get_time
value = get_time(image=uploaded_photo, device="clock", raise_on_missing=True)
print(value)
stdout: 6:29
